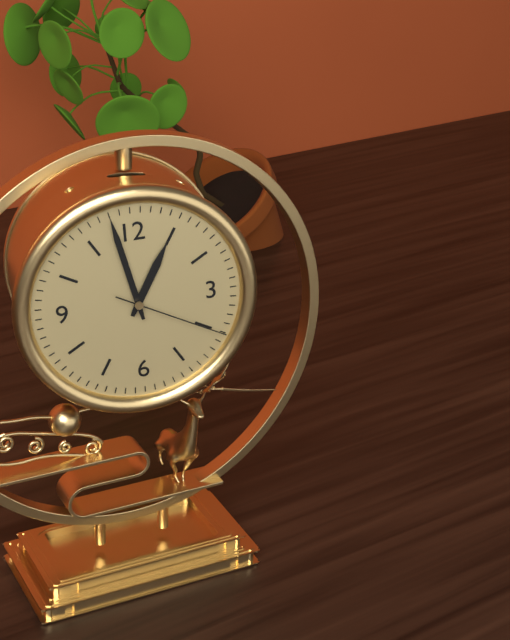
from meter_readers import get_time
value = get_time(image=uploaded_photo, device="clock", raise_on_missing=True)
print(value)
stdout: 12:58:20
